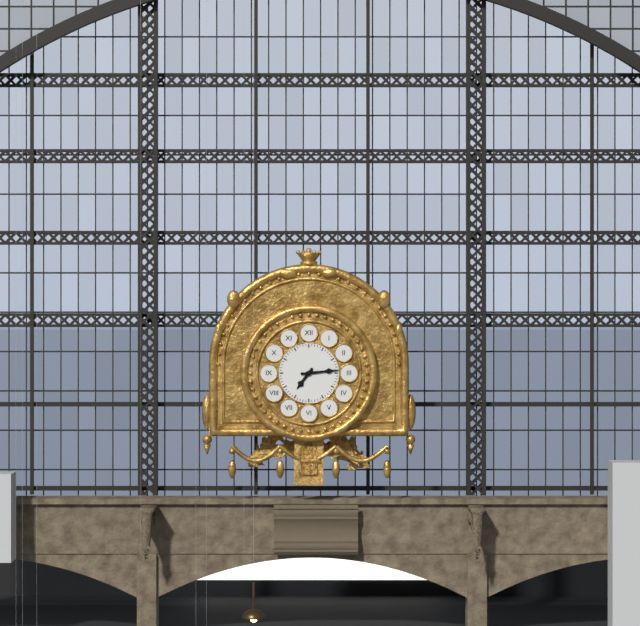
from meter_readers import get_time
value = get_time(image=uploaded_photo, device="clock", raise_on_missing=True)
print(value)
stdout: 7:14
